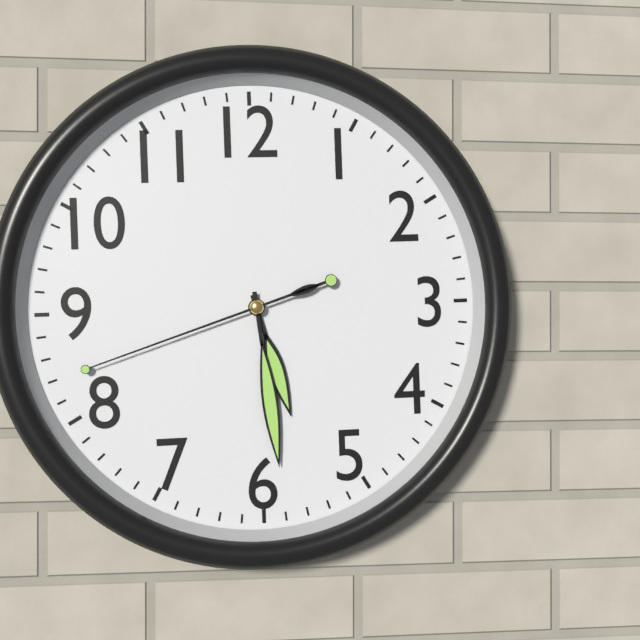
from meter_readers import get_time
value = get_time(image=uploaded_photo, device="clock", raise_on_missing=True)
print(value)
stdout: 5:29:42
